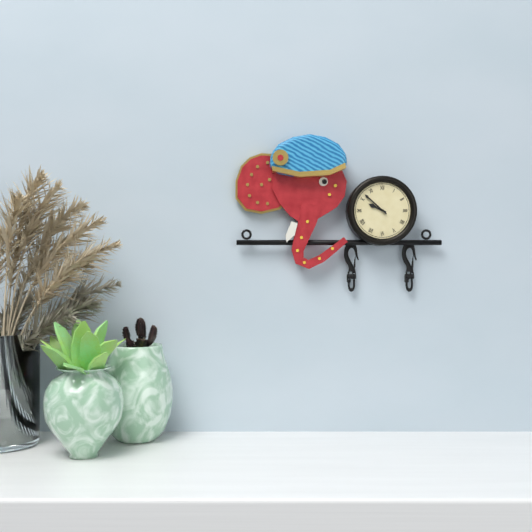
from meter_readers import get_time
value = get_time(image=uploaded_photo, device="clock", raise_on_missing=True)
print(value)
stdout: 9:52
